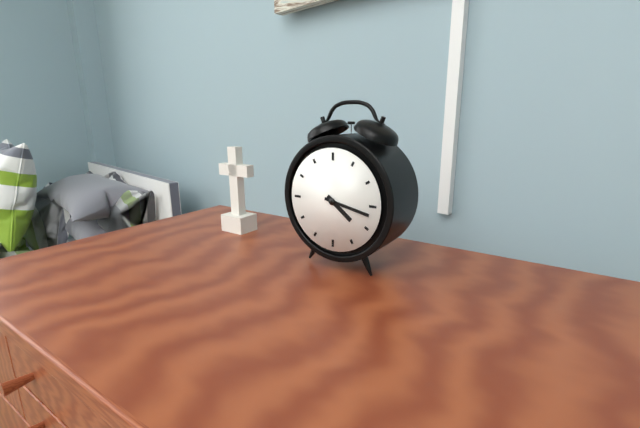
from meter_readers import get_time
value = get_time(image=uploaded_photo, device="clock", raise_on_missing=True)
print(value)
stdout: 4:17
